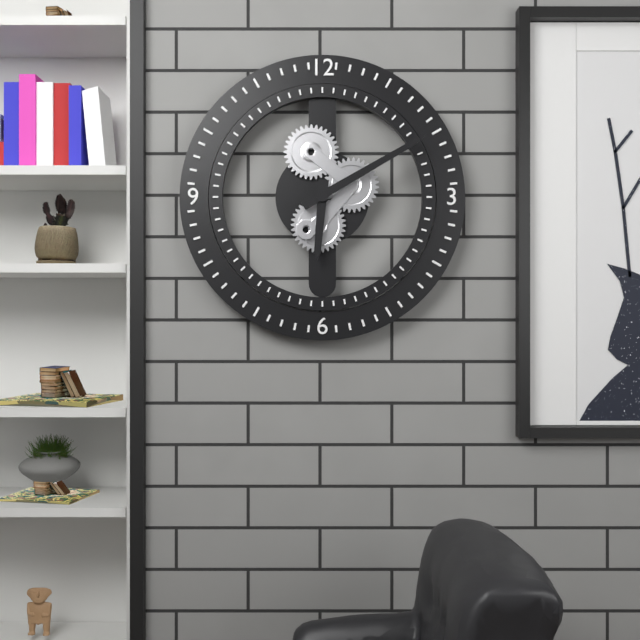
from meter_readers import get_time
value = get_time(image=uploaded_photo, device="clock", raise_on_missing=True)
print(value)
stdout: 6:10
